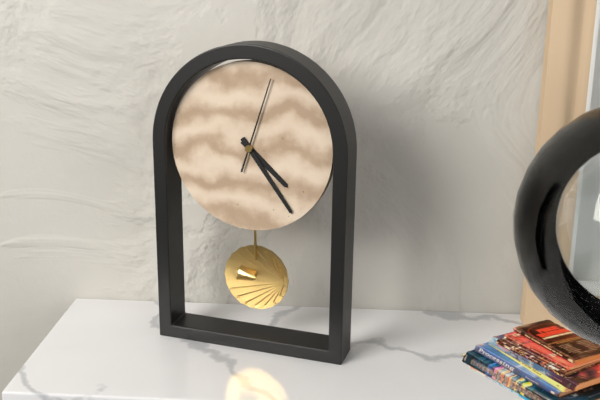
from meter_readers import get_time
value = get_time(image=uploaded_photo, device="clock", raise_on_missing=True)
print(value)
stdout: 4:24:03
